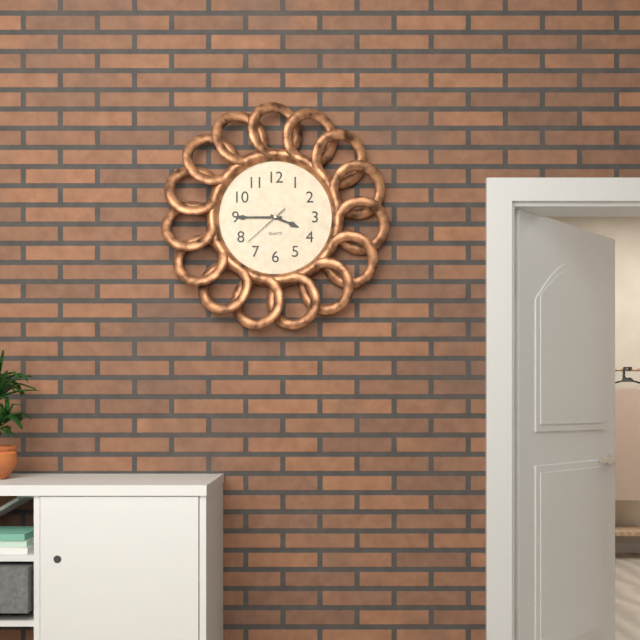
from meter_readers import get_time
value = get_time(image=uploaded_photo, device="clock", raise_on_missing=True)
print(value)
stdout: 3:45
